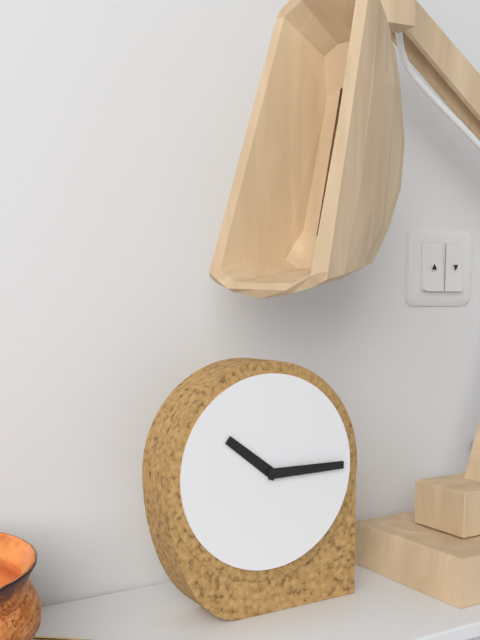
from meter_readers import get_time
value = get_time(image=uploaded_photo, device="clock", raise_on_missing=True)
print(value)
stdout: 10:15
